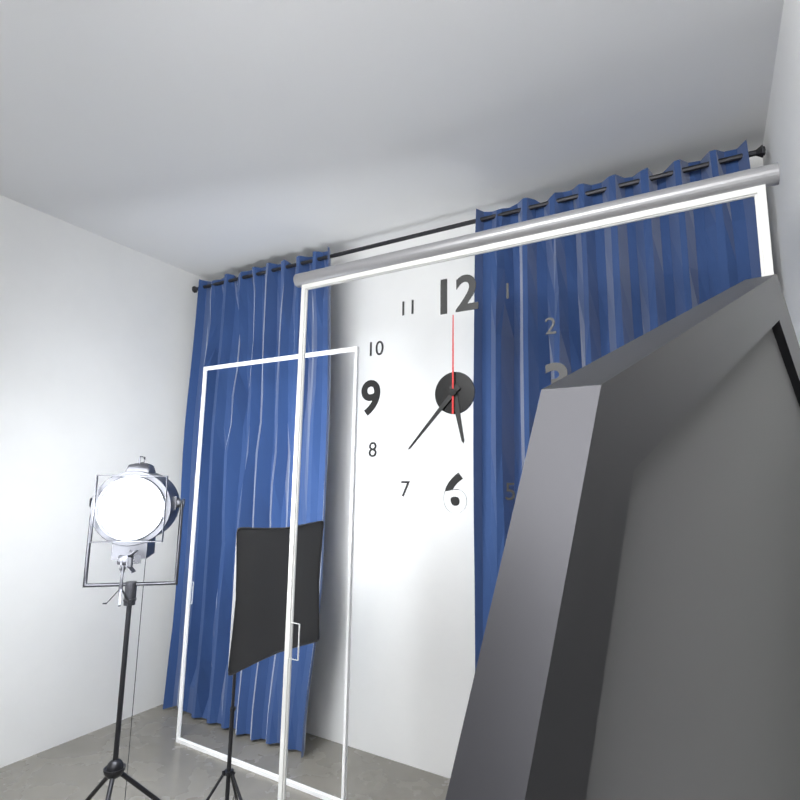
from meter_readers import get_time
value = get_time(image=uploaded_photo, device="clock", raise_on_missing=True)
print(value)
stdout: 5:37:00
